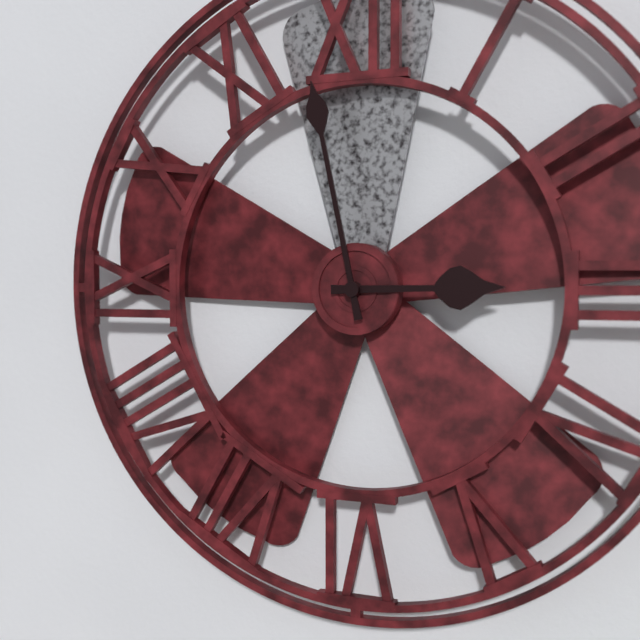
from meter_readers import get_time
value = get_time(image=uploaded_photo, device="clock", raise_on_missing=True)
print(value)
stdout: 2:58
